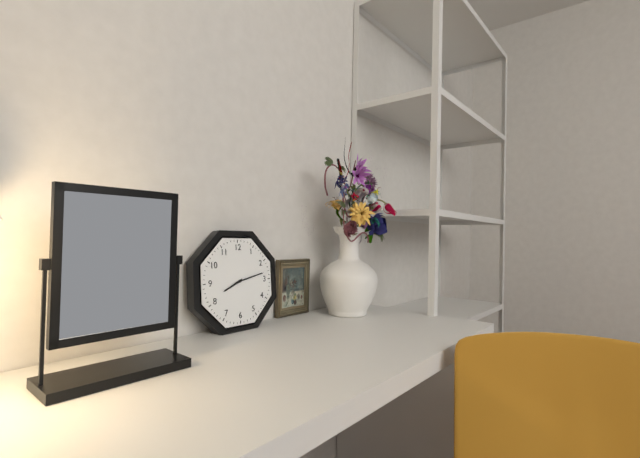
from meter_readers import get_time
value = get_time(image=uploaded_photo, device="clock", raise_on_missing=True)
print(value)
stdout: 8:13
